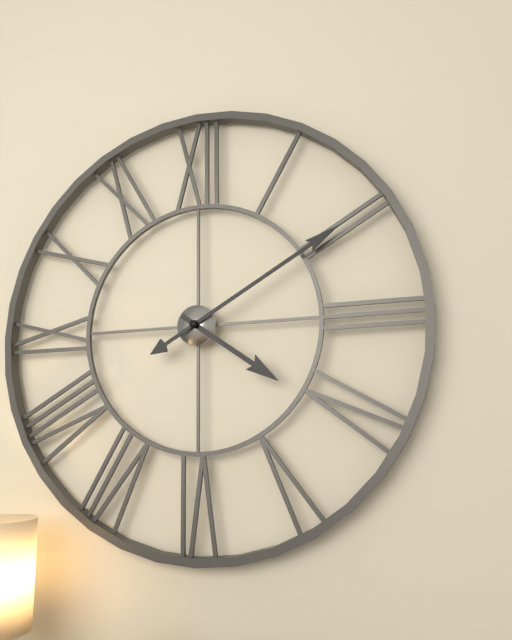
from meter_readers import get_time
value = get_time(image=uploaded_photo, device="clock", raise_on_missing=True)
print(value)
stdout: 4:10
